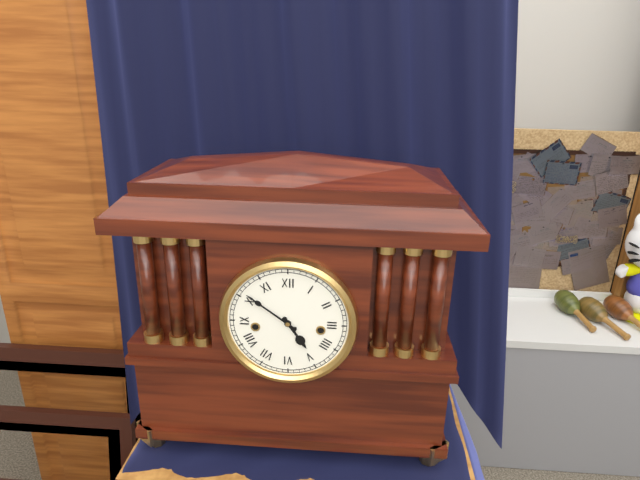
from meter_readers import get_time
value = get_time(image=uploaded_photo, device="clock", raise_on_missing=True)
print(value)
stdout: 4:51
